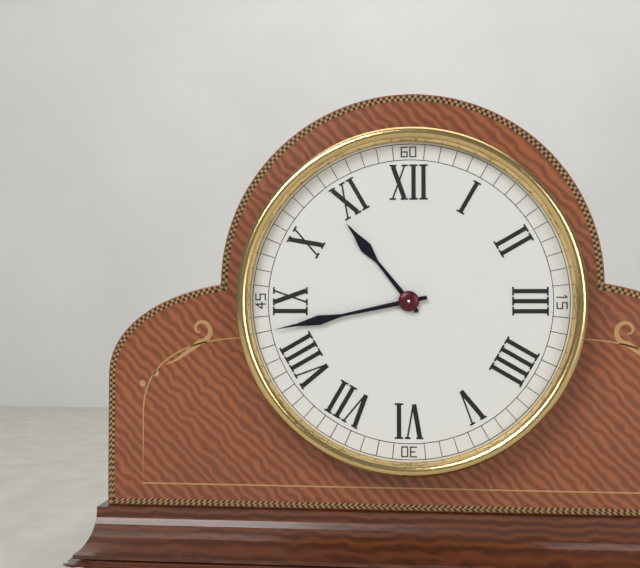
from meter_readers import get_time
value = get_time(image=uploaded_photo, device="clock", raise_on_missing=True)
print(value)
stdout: 10:43
